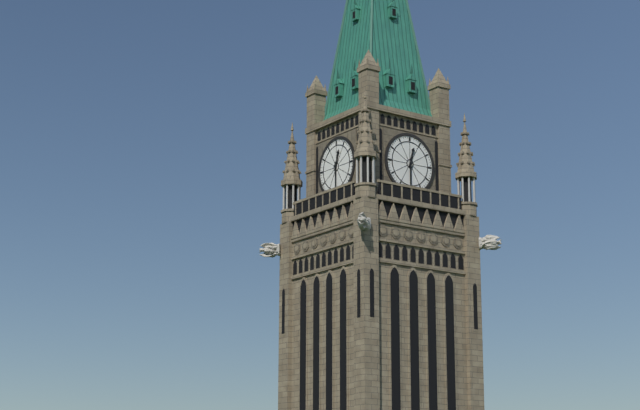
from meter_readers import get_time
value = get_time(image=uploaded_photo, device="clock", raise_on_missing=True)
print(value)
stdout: 12:30
